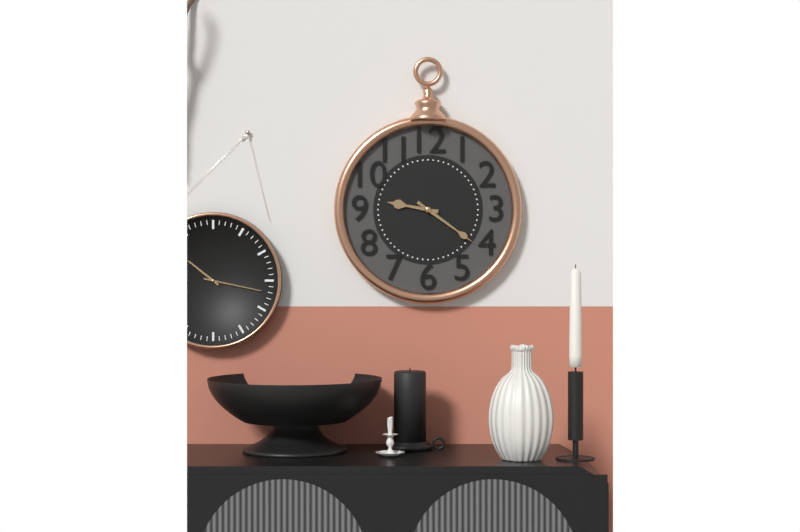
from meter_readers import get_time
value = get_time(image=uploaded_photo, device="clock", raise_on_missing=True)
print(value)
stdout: 9:21
